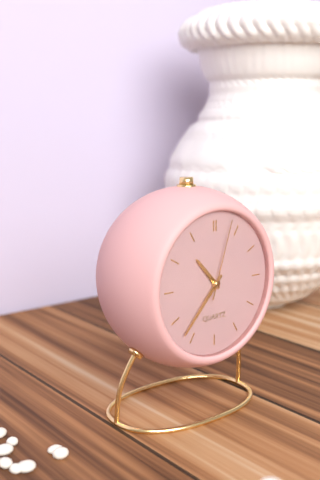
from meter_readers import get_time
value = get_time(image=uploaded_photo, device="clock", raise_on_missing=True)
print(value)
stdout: 10:37:03
